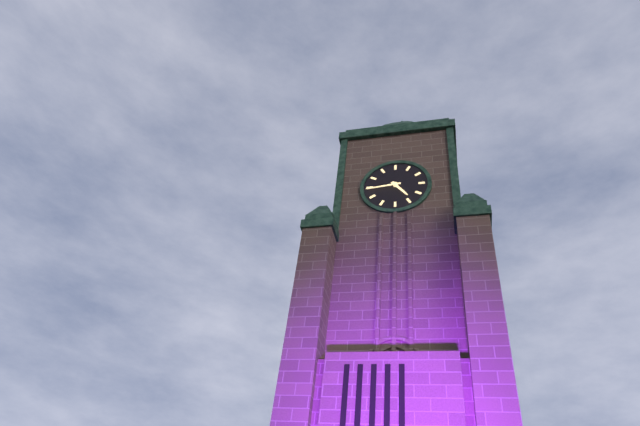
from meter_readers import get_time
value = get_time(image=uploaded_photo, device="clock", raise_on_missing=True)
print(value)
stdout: 4:44
